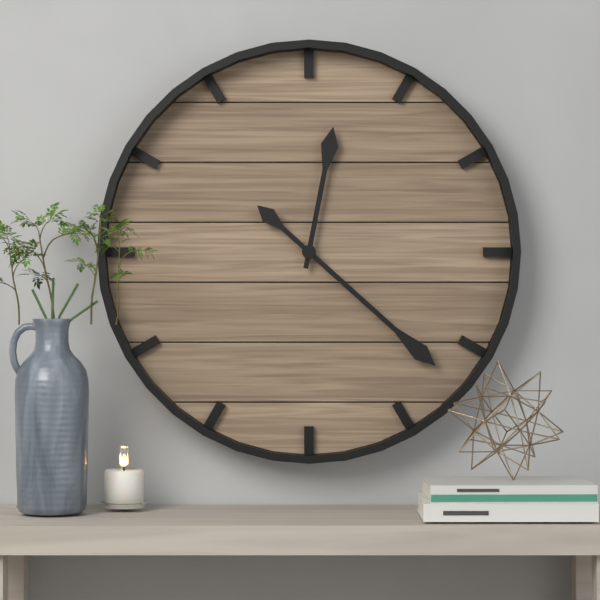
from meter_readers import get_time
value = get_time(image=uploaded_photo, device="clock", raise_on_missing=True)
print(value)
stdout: 12:22
